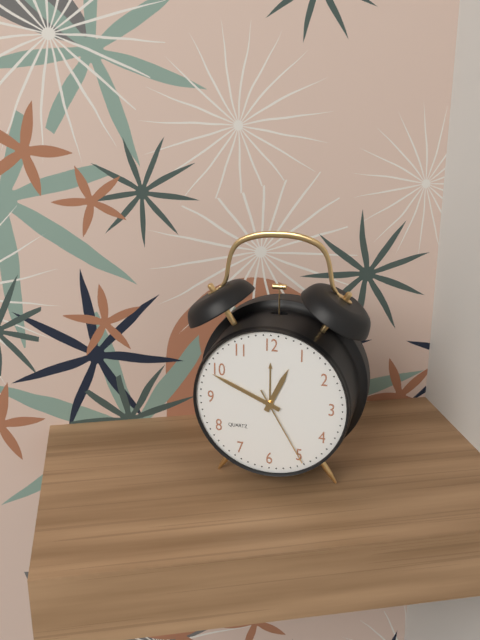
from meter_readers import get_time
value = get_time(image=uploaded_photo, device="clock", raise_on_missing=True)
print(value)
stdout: 12:49:25
